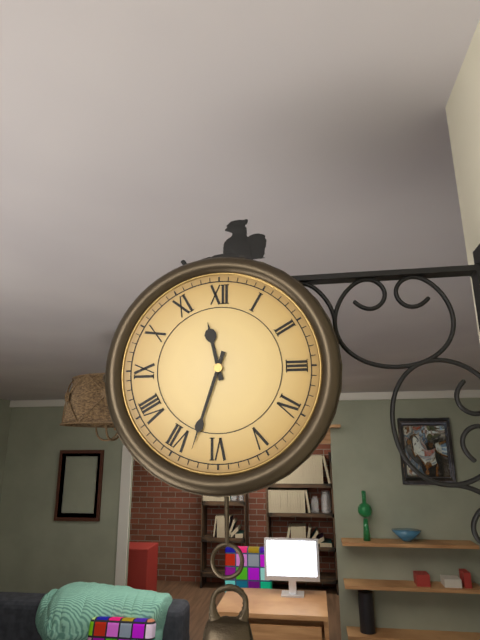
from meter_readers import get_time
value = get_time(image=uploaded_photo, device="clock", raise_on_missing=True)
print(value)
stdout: 11:33
